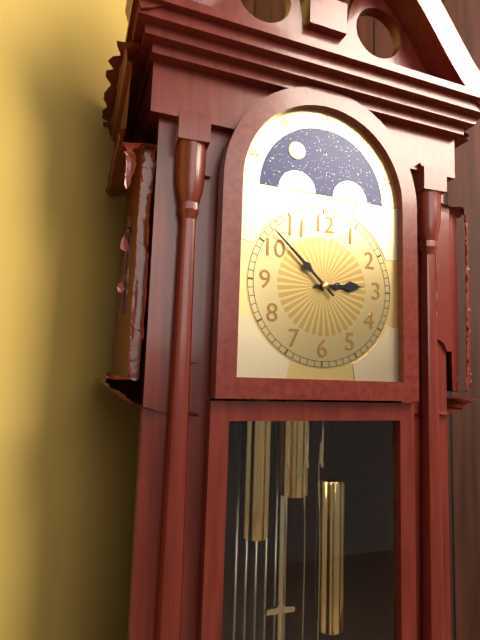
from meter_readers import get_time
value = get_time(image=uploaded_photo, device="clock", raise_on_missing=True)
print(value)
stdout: 2:52
